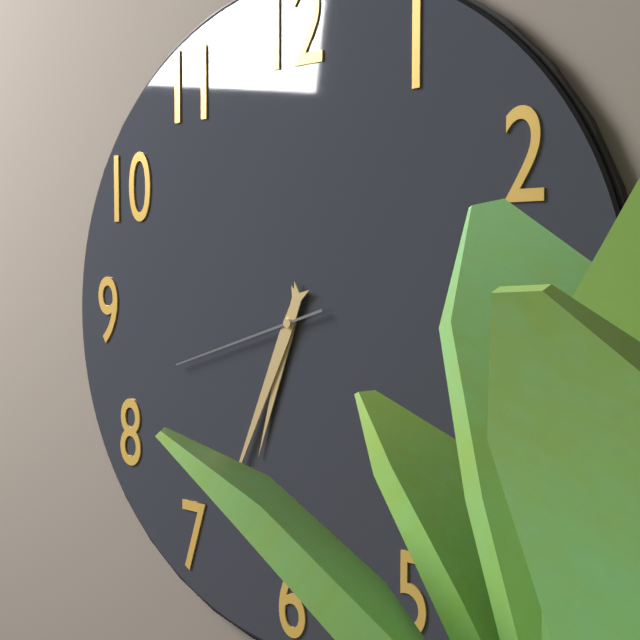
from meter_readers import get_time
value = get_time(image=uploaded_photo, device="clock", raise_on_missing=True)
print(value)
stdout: 6:34:42
